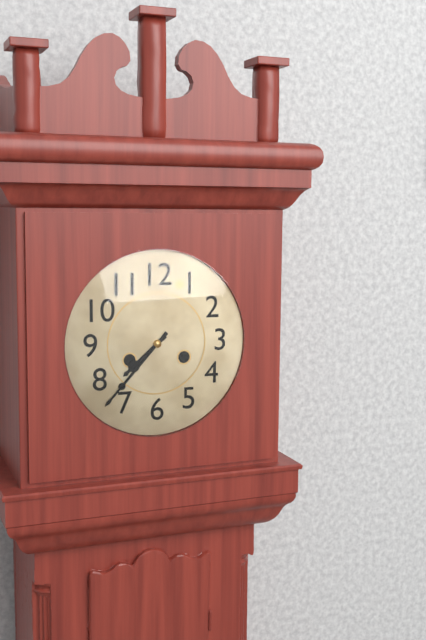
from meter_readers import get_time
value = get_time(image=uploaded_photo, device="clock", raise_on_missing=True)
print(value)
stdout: 7:37
